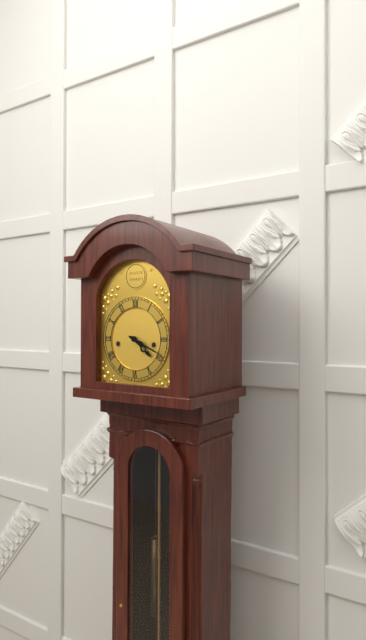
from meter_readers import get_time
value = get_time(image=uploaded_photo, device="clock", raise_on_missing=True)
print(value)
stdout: 4:19
